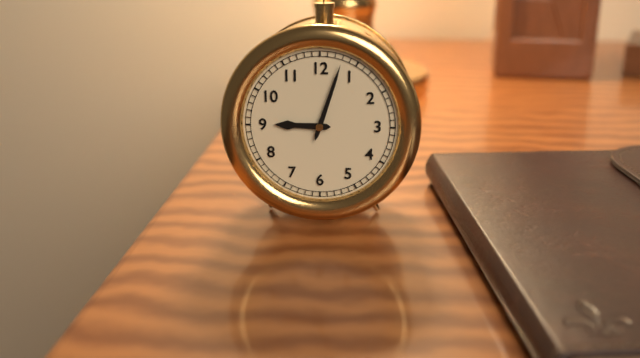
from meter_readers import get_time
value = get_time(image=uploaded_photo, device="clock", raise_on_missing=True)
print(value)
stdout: 9:03
